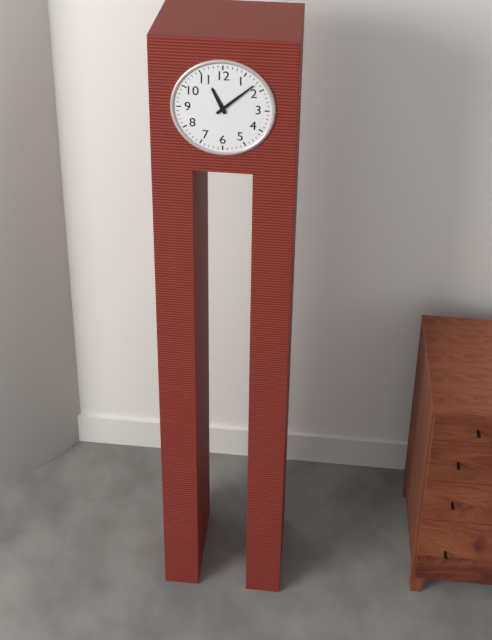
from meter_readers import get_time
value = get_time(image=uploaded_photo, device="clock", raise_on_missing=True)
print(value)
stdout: 11:08
